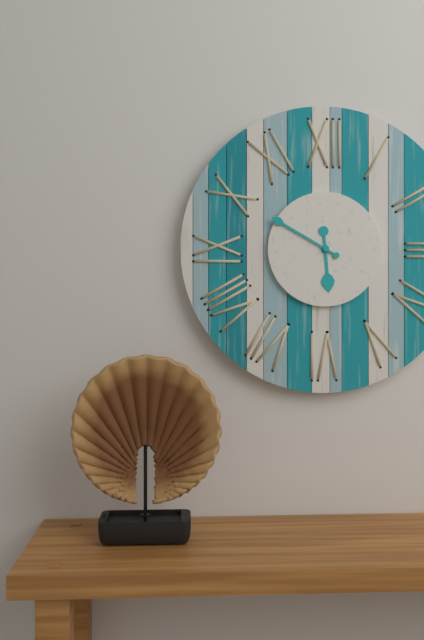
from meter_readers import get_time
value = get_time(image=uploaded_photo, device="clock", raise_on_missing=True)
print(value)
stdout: 5:50
